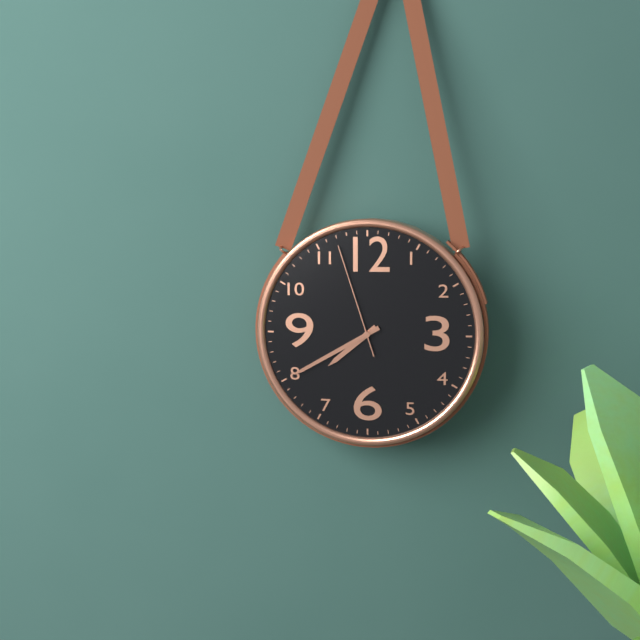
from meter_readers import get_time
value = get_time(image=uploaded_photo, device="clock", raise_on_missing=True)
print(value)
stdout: 7:40:57
